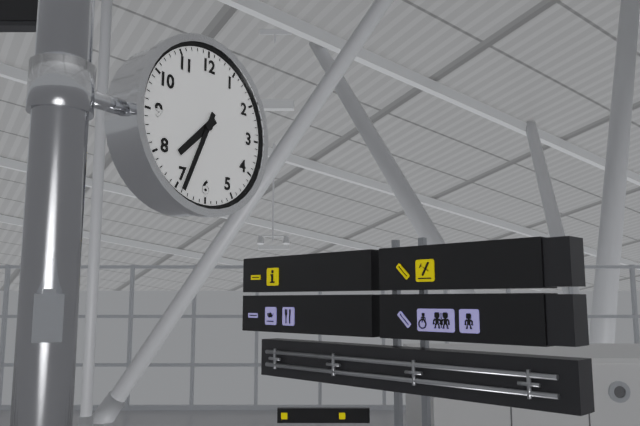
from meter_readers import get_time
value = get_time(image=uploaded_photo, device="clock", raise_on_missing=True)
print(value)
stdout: 7:34
